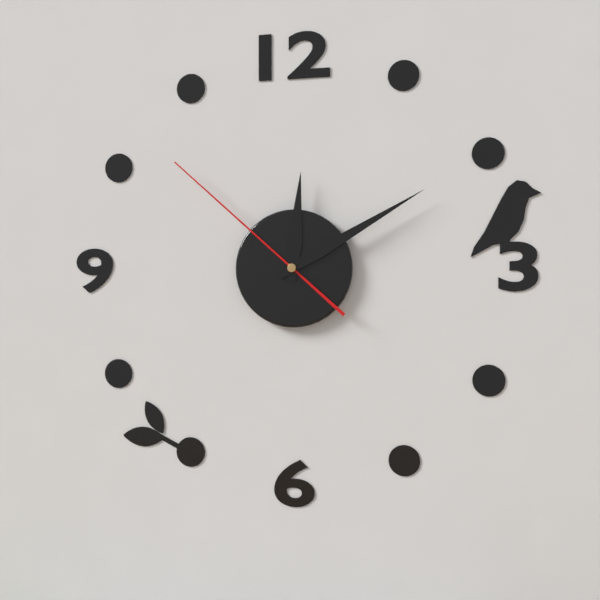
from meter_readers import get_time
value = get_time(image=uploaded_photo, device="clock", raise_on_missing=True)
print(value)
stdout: 12:10:52
